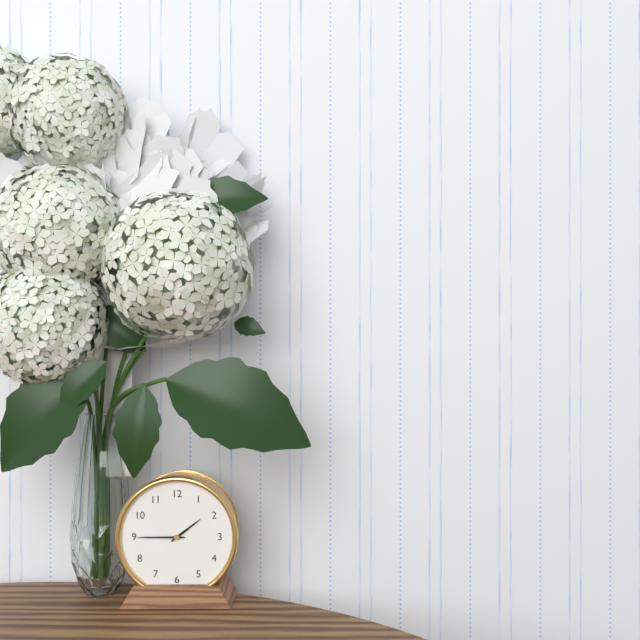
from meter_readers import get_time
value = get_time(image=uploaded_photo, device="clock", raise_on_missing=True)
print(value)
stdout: 1:45
